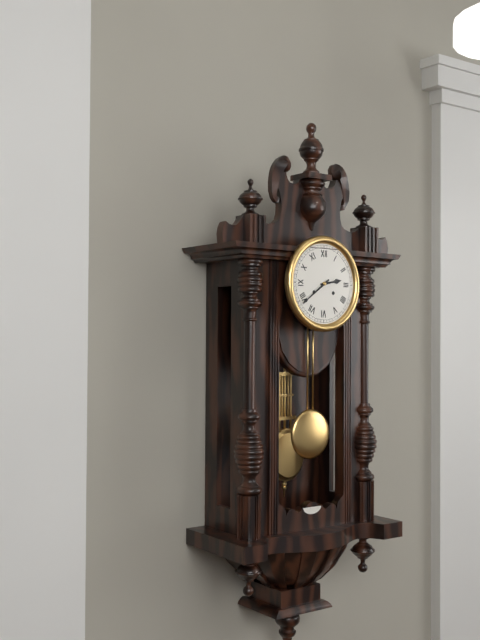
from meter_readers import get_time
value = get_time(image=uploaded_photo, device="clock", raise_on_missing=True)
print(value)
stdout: 2:39
